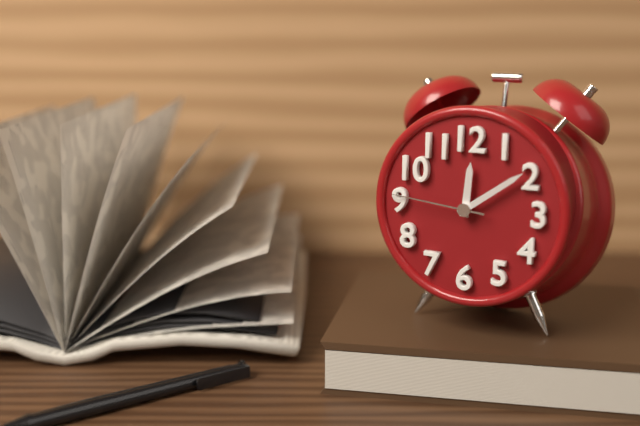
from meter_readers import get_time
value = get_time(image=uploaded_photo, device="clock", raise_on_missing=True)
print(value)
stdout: 12:09:46
